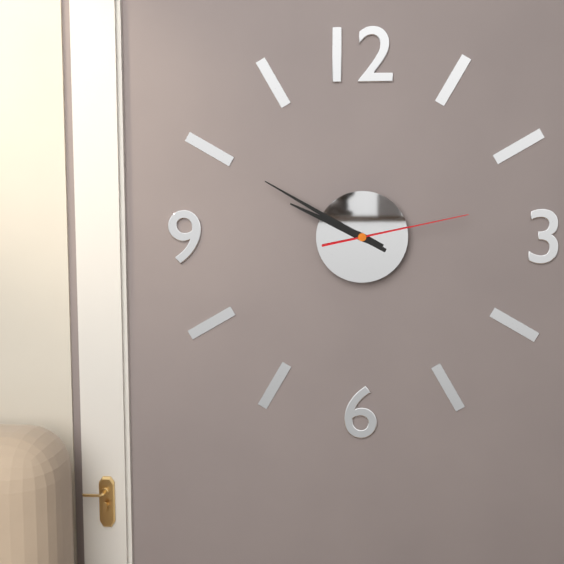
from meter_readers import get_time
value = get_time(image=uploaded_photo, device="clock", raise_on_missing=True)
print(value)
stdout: 9:50:13
